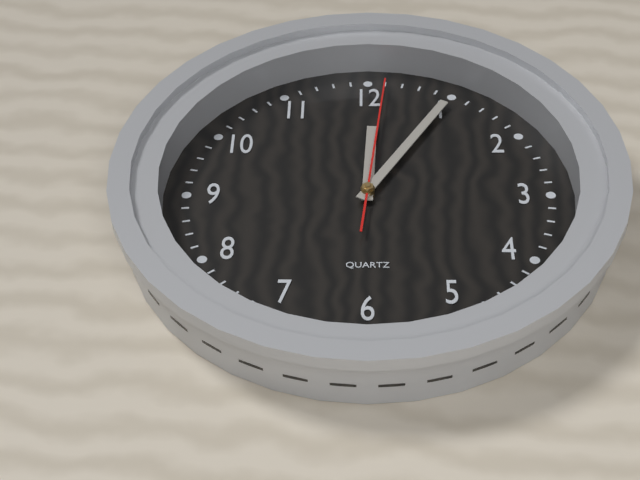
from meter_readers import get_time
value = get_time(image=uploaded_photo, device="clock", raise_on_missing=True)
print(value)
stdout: 12:05:01
